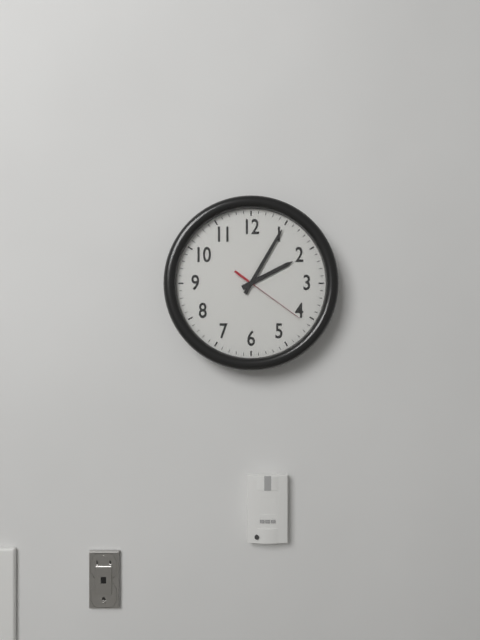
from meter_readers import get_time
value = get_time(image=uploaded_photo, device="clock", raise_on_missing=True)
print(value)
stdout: 2:05:21
